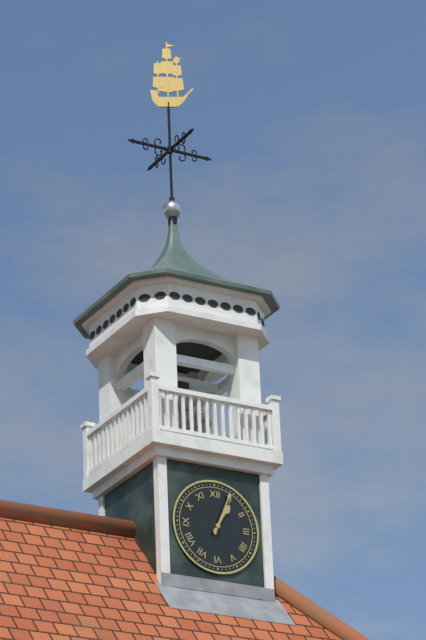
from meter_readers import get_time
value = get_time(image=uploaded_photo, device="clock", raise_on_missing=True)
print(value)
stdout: 1:04
